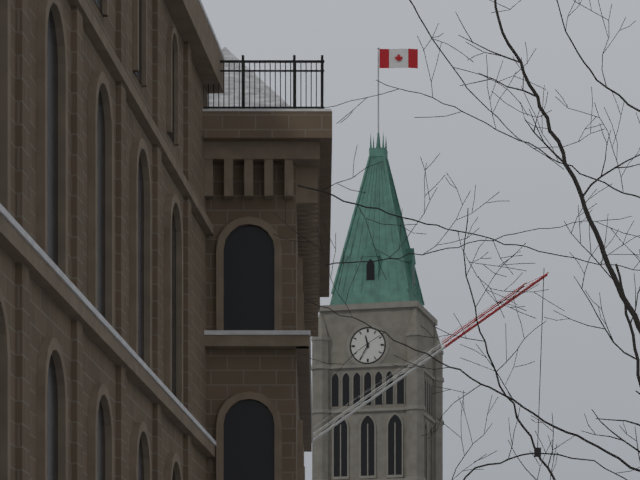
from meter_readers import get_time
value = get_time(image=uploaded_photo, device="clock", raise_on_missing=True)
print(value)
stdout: 11:35
